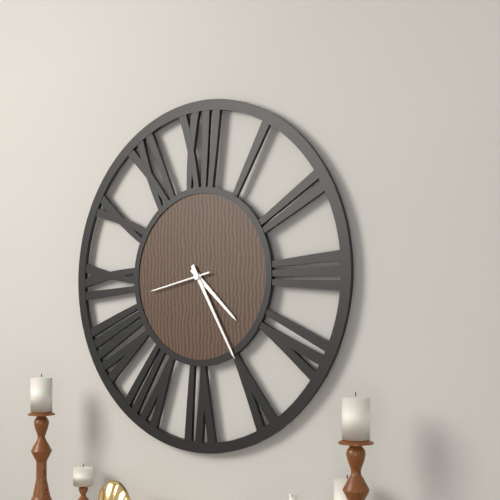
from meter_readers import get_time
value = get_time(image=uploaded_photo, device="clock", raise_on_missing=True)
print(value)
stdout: 4:25:43
